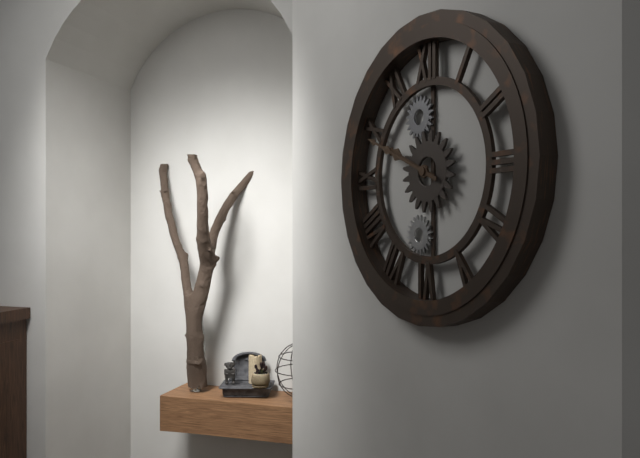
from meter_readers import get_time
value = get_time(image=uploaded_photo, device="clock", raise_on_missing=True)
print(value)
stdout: 9:49
